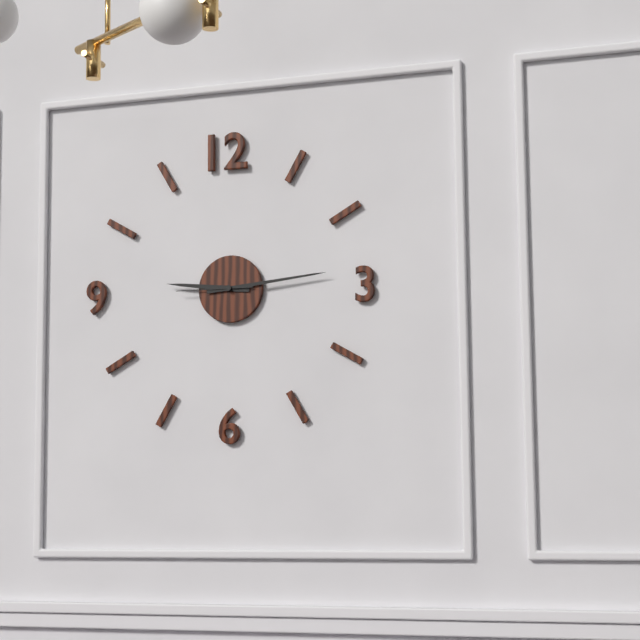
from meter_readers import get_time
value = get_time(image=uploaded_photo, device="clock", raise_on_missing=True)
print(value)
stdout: 9:14:45
